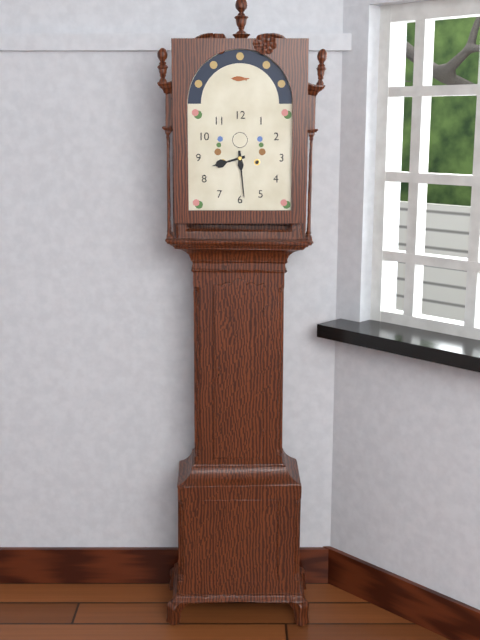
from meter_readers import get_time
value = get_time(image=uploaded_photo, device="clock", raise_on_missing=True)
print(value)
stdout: 8:29
